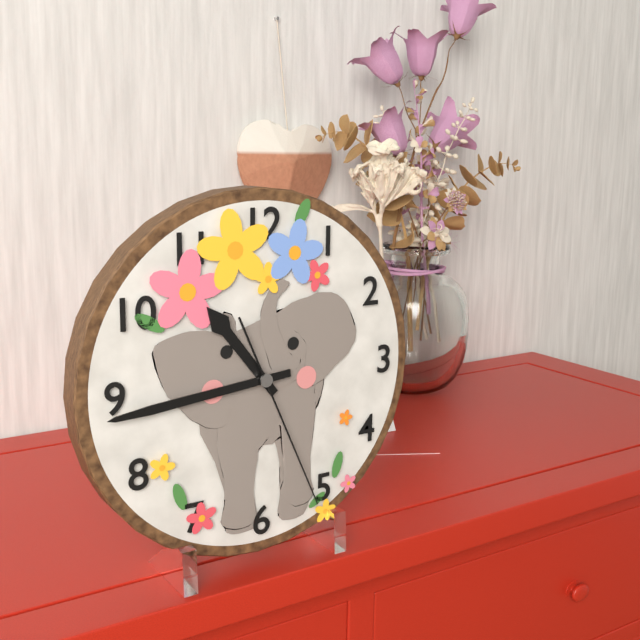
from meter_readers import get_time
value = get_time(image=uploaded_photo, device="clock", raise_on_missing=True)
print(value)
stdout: 10:44:26
